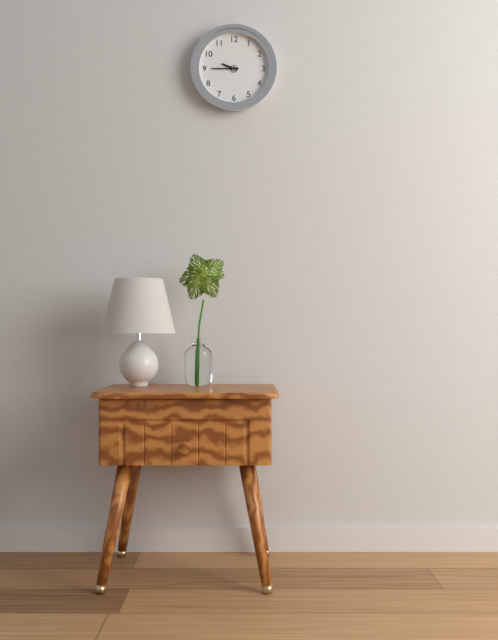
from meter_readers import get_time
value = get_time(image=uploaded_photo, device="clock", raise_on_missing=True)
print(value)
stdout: 9:45
